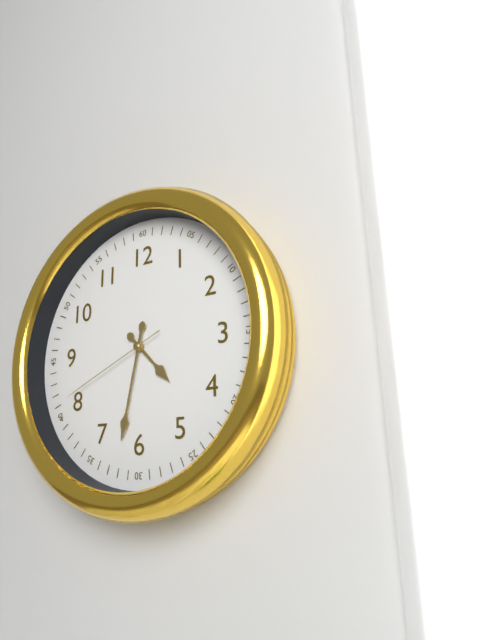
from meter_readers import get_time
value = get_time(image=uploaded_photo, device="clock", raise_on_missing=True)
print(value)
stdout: 4:32:41
